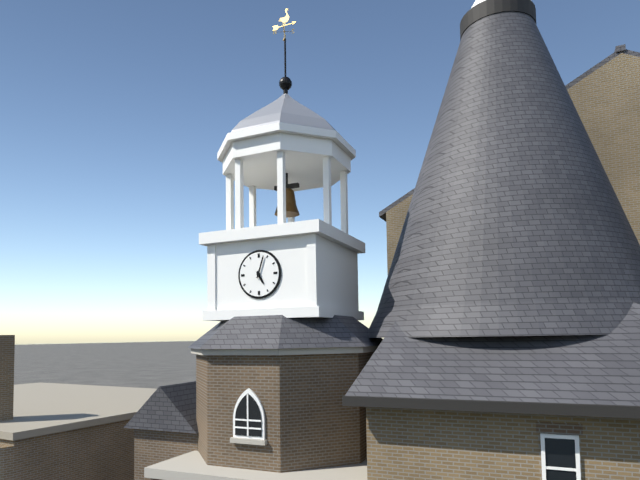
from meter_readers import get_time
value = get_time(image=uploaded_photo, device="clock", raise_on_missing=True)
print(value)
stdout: 5:03
